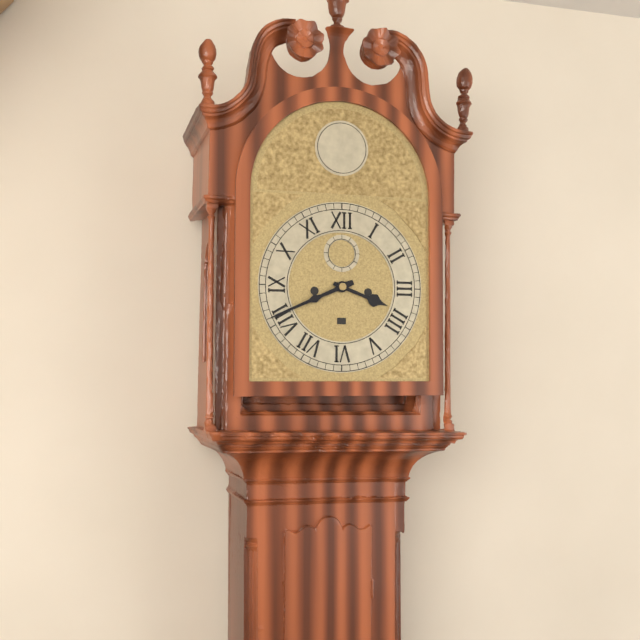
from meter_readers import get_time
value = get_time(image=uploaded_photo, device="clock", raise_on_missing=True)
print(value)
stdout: 3:41
